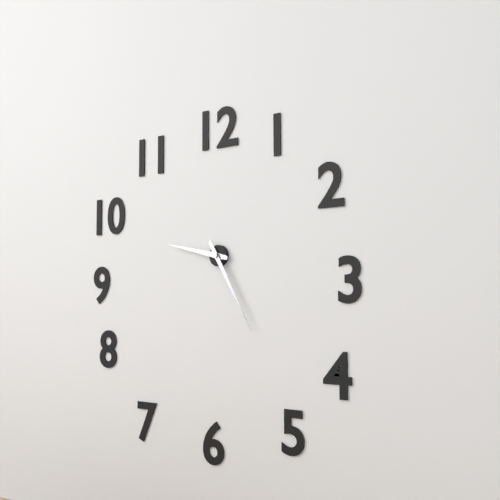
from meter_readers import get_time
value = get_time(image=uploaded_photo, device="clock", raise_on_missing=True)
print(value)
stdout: 9:25
